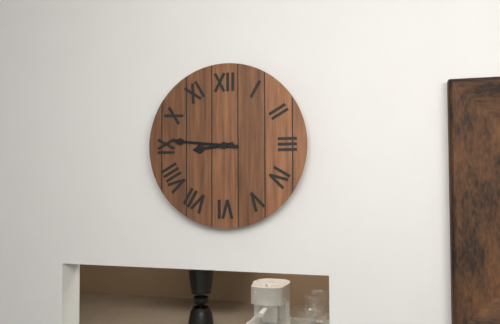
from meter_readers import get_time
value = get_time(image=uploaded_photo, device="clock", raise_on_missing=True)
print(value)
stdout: 8:46
